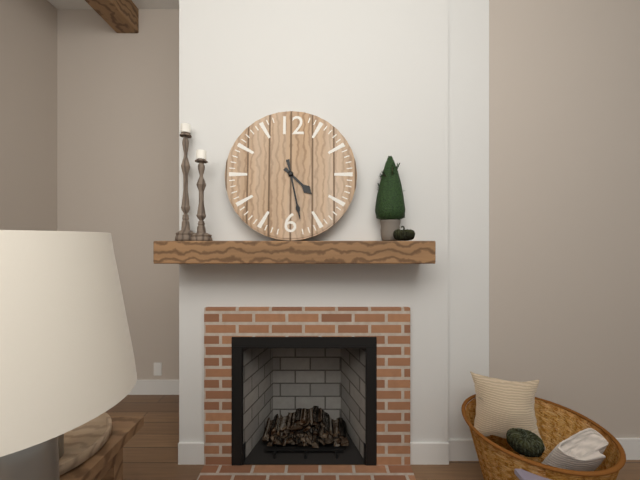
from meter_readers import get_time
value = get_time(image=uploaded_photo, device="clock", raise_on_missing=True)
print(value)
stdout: 4:28
